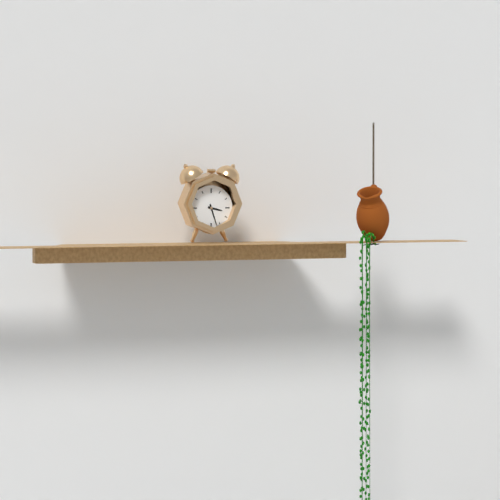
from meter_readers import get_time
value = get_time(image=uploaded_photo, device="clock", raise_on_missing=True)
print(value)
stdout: 3:27
